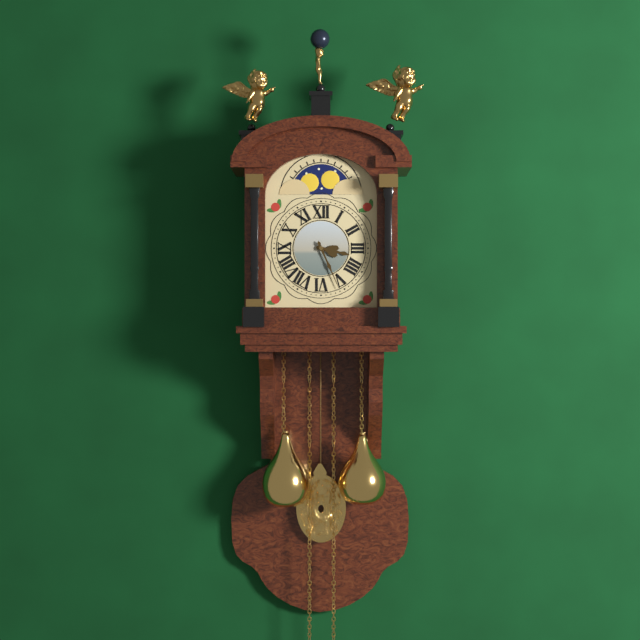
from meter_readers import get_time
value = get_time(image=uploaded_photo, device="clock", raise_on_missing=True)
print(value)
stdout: 3:26
